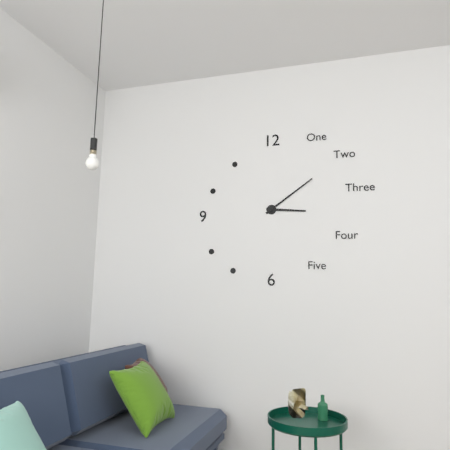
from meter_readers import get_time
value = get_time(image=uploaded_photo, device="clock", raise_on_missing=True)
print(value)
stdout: 3:09
